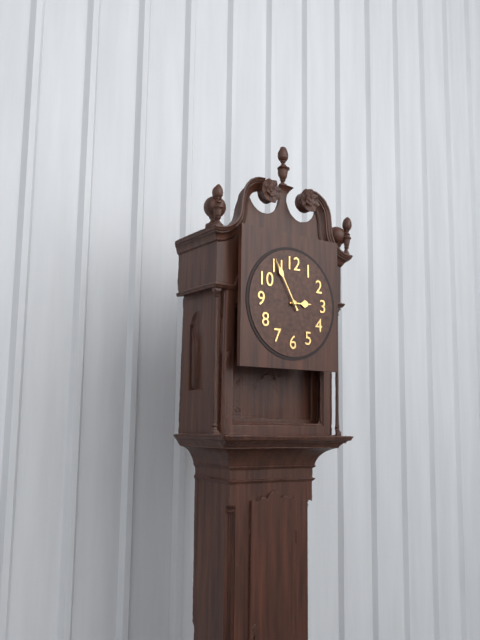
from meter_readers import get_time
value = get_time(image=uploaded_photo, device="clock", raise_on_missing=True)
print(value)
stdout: 2:55
